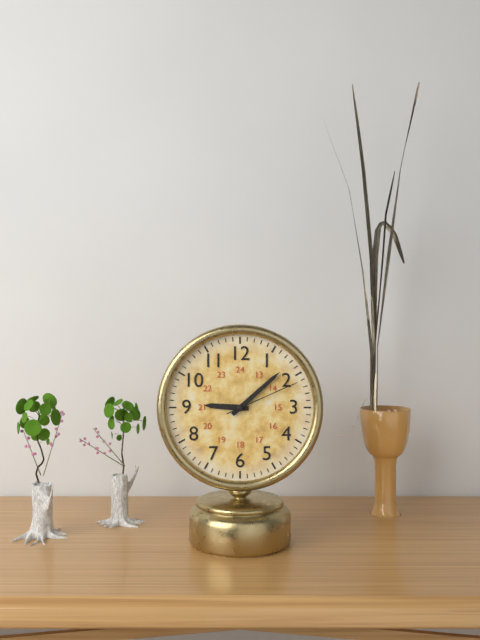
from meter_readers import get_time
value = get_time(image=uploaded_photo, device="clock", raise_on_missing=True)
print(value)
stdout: 9:08:11
